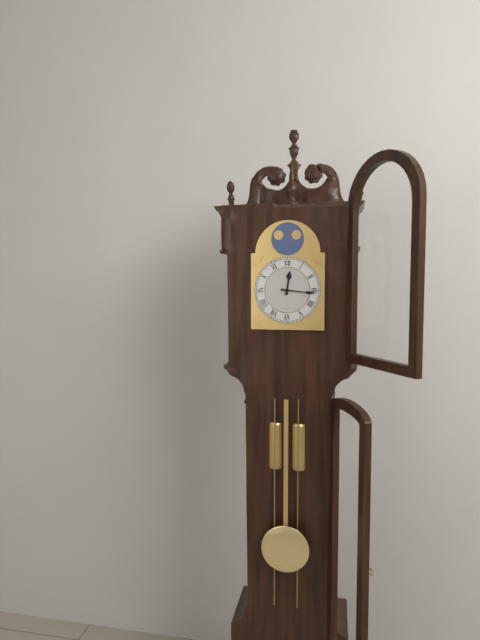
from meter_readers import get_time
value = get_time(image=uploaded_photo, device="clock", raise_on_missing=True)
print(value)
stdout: 12:16
